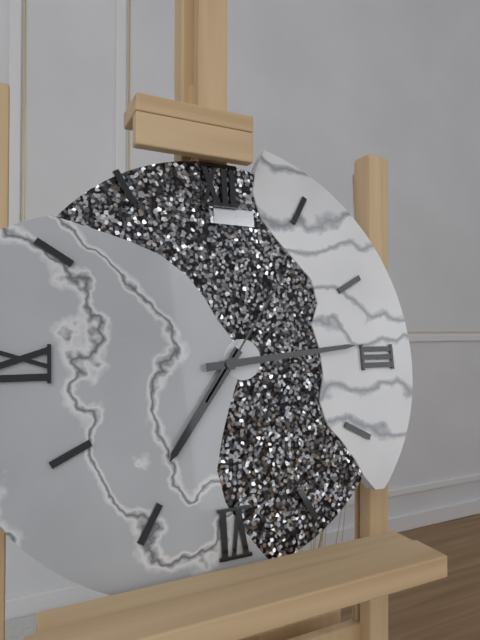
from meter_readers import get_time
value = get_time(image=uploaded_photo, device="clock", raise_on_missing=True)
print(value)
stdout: 7:14:06
